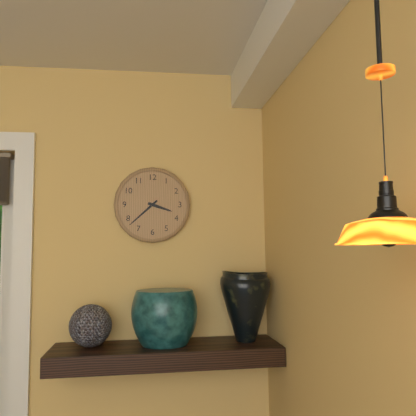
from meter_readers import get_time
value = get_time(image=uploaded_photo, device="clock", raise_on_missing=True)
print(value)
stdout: 3:38
